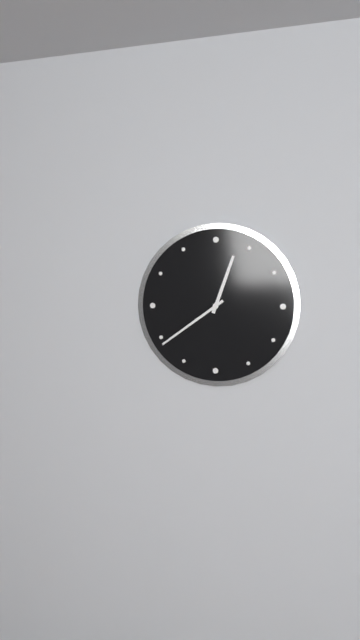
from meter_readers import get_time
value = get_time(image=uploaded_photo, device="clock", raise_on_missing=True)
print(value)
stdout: 12:39
